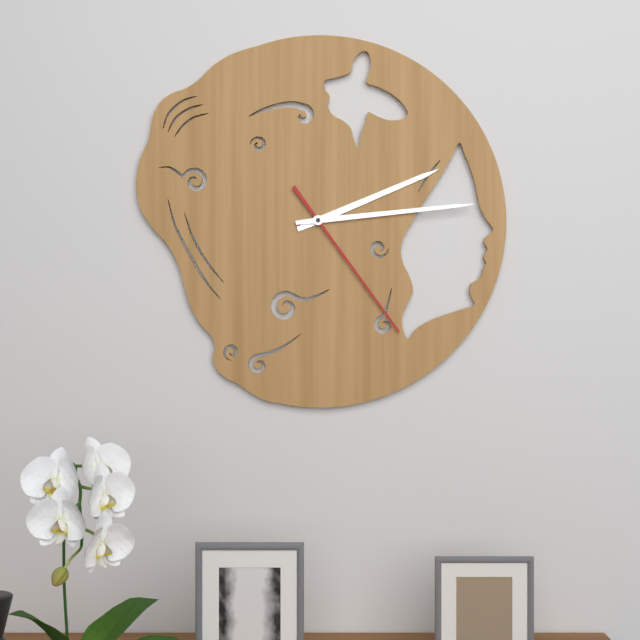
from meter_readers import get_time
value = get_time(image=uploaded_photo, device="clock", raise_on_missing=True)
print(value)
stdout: 2:14:24
